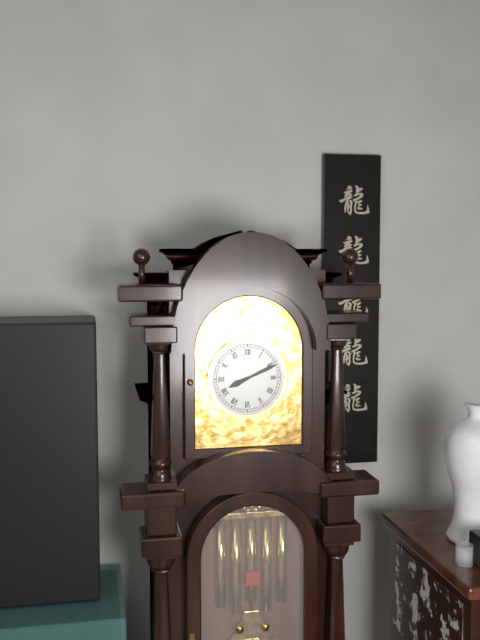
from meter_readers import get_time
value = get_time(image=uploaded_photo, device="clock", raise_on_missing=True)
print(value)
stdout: 8:11
